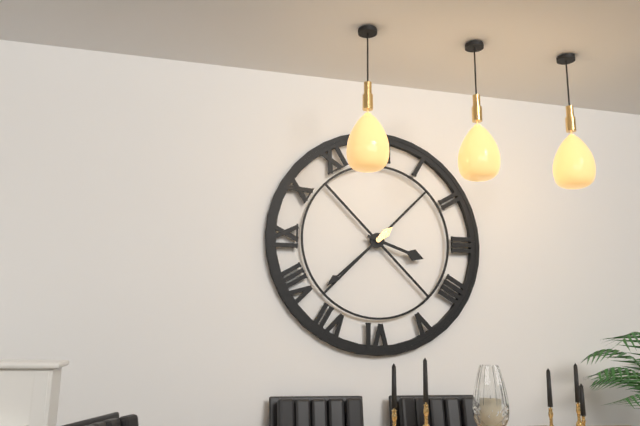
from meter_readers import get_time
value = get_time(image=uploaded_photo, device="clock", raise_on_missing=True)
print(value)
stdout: 3:38
